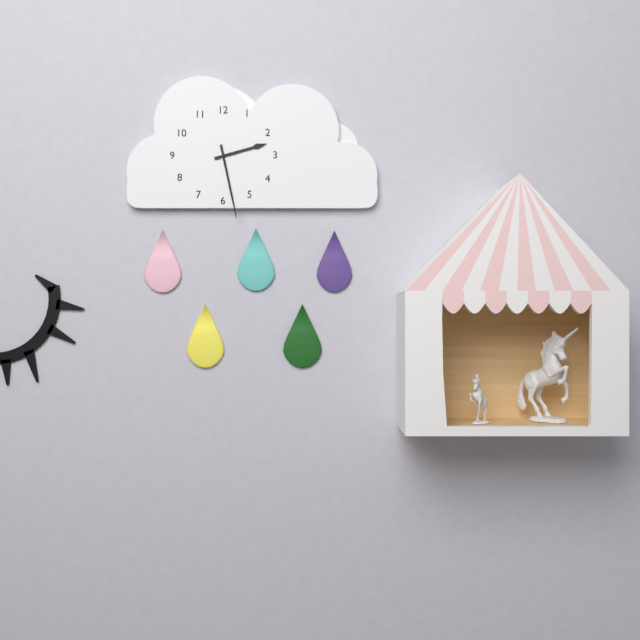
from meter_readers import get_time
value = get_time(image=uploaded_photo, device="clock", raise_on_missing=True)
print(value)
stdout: 2:28
